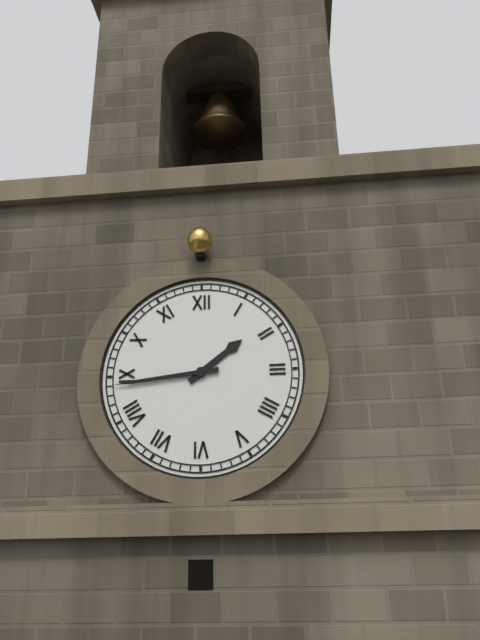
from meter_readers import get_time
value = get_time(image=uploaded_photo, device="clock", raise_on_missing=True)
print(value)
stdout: 1:44
